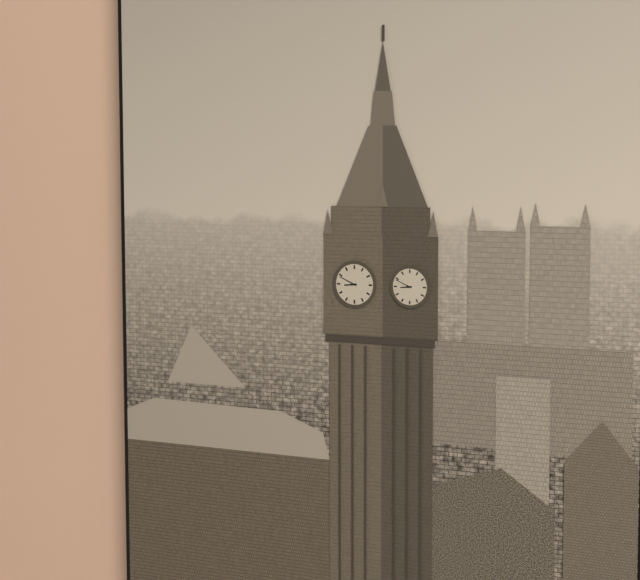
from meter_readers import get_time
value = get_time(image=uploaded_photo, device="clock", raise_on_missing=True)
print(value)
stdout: 8:49
